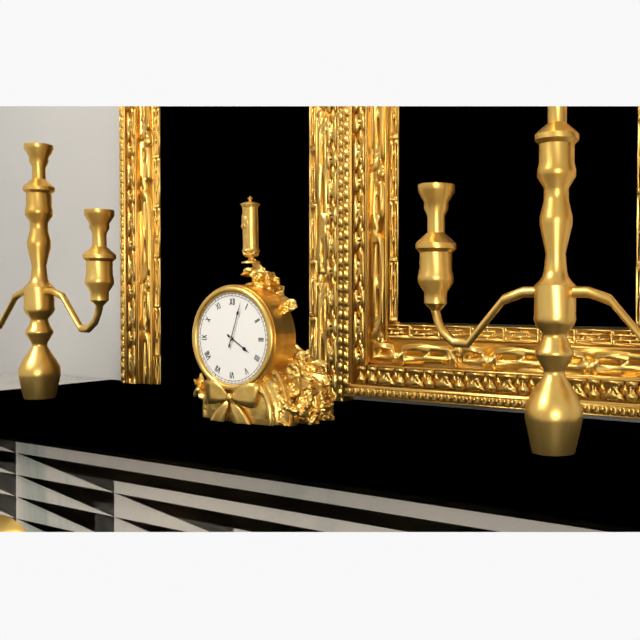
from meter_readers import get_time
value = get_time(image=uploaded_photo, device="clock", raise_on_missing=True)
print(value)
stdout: 4:03
